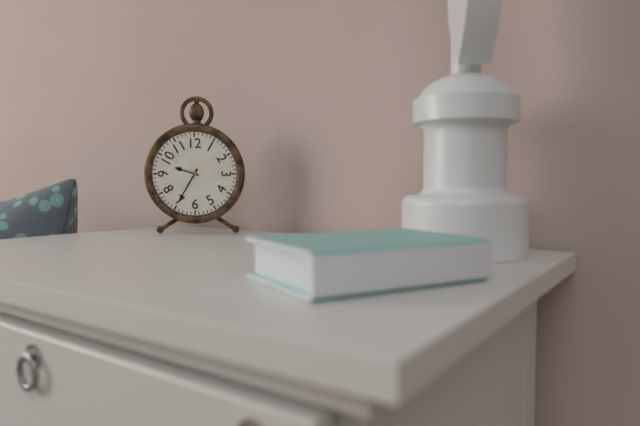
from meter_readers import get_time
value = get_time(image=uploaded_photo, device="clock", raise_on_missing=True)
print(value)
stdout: 9:35
